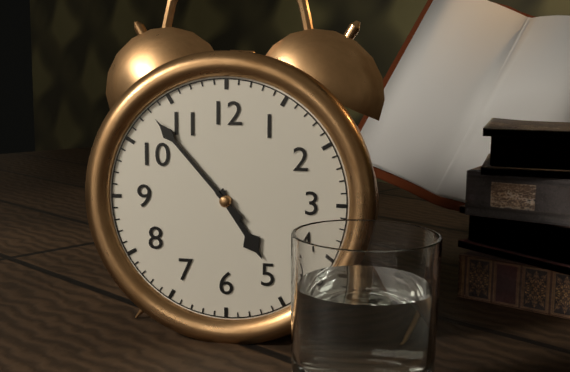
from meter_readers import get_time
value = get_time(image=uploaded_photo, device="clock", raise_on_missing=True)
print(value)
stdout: 4:53
